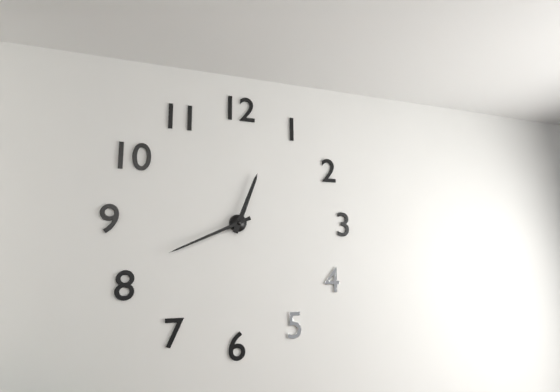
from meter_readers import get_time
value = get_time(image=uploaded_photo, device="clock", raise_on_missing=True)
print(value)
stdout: 12:41
